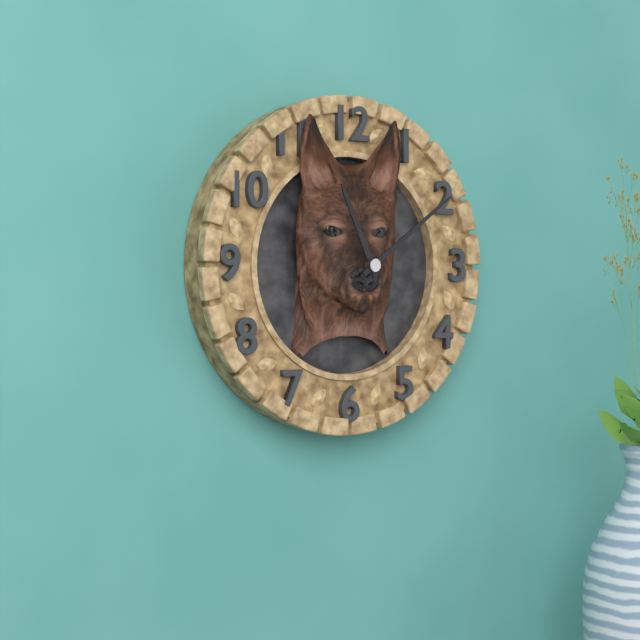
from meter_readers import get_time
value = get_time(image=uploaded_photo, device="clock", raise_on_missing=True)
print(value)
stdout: 11:09
